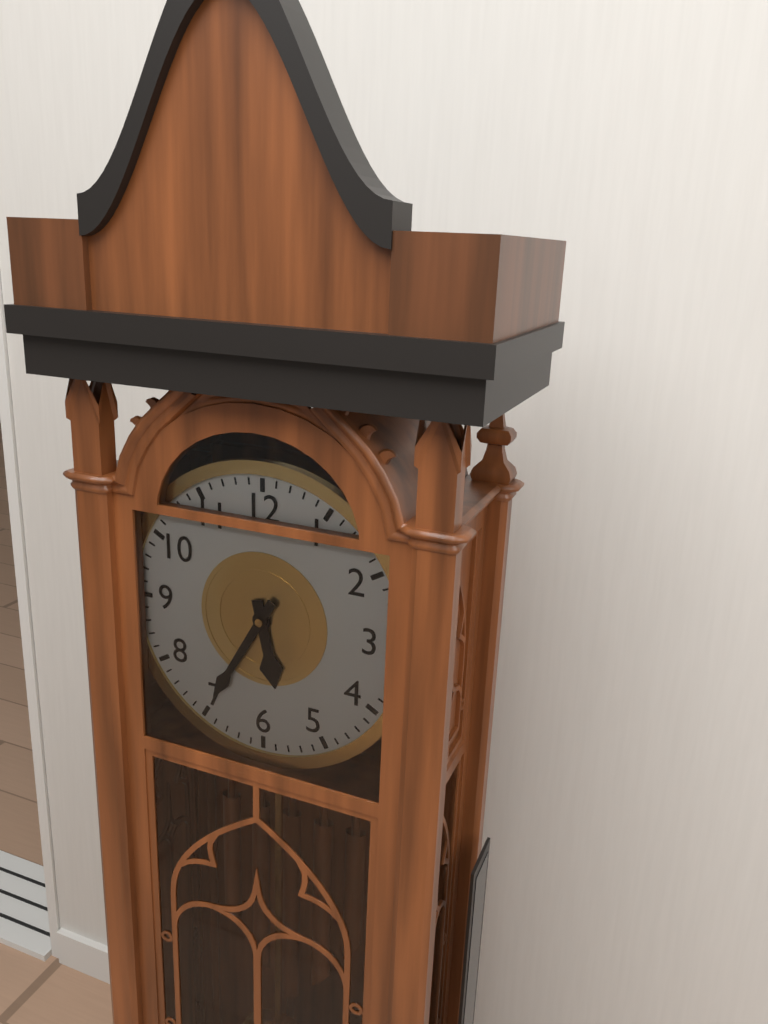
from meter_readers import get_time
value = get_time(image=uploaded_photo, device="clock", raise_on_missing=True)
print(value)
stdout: 5:35
